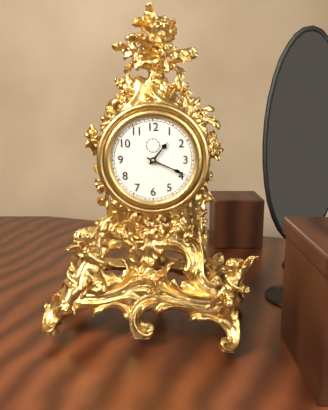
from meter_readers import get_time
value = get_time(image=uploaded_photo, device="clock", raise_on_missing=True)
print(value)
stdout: 1:19
